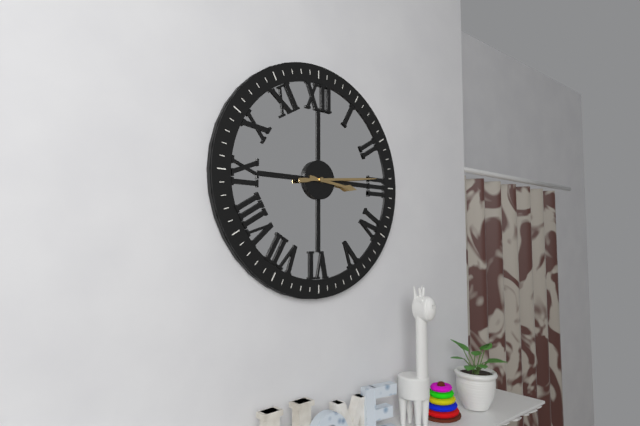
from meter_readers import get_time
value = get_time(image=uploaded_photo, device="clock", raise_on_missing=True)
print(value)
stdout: 3:14
